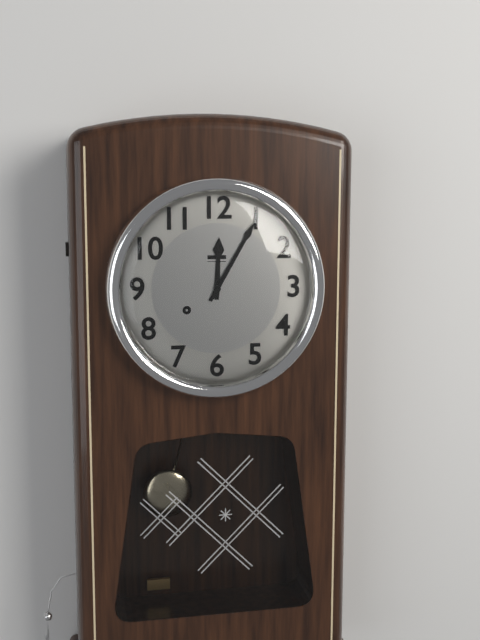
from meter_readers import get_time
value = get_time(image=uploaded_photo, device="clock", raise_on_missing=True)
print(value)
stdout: 12:05
